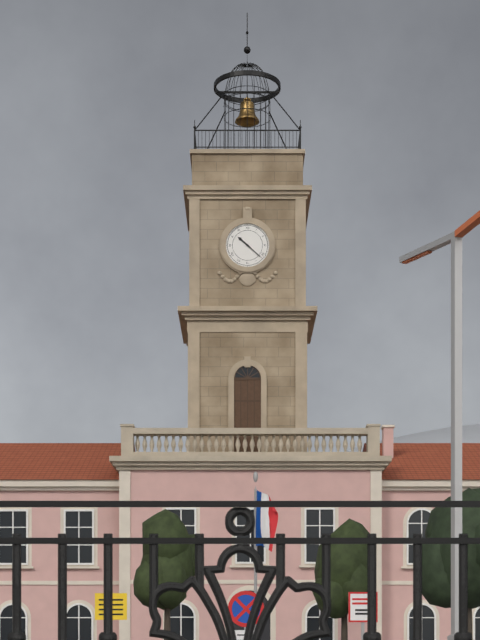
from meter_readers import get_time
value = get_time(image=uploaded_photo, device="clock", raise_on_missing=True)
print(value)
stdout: 10:22
